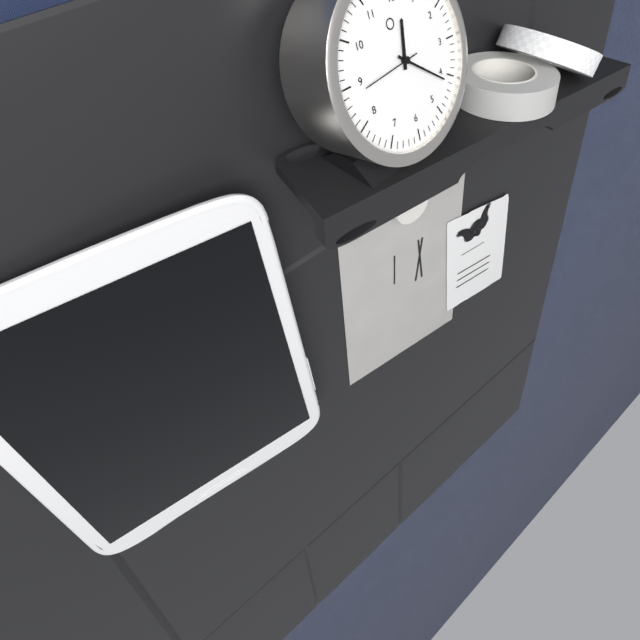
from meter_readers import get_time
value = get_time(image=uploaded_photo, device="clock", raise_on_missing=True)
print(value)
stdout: 12:21:44
